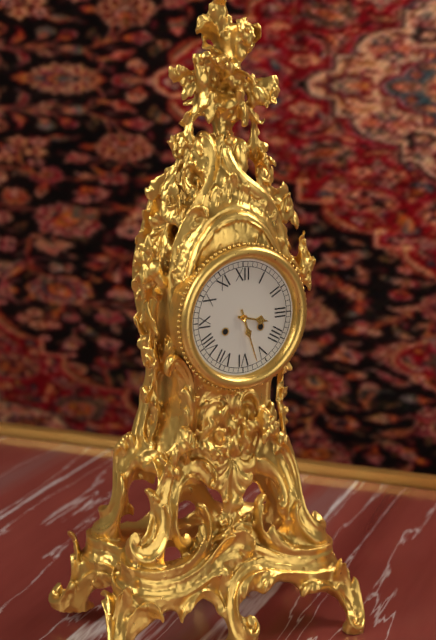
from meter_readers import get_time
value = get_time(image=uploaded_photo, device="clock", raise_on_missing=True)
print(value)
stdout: 3:27
